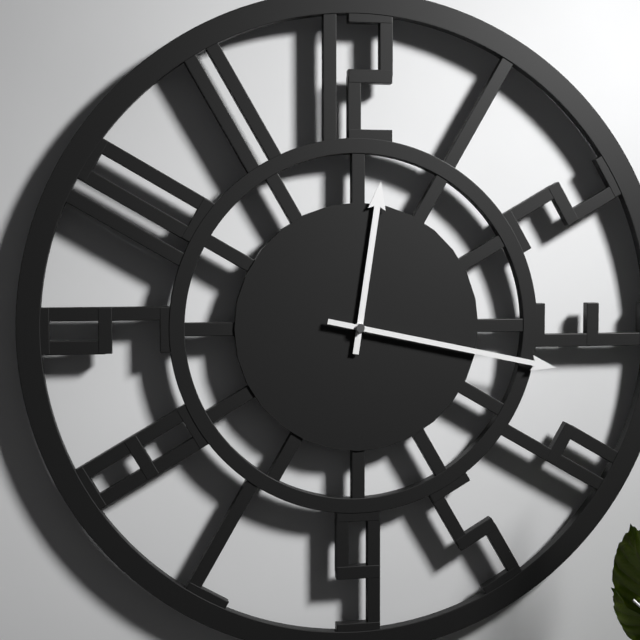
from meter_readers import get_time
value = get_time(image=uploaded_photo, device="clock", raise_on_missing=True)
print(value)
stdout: 12:17
